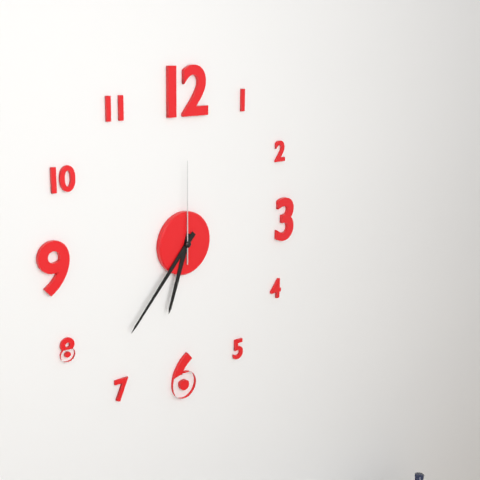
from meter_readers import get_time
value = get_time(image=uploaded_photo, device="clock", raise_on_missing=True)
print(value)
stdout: 6:37:00
